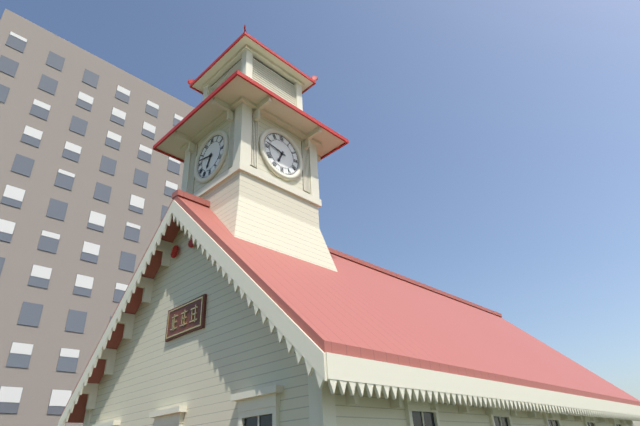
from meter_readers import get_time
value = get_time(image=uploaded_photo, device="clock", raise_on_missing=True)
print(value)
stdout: 6:47
